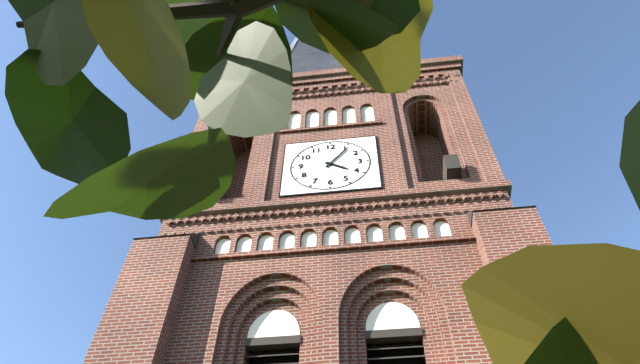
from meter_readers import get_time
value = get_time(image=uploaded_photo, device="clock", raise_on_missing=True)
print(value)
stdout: 4:06
